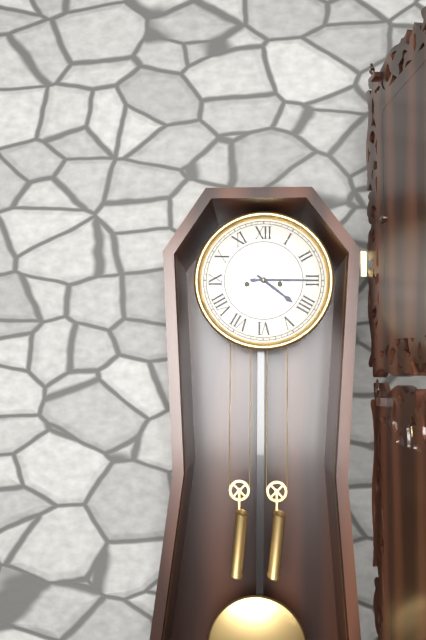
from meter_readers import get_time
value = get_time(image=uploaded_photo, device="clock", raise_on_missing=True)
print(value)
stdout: 4:15
